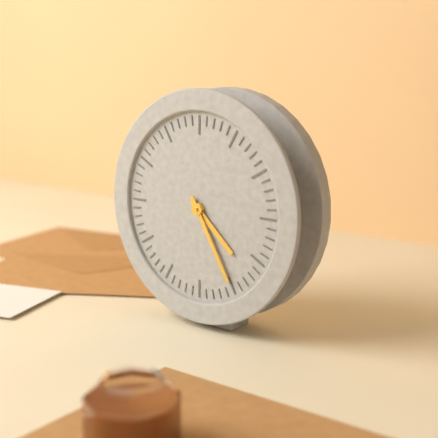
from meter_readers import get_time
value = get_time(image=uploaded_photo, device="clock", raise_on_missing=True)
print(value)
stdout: 4:25
